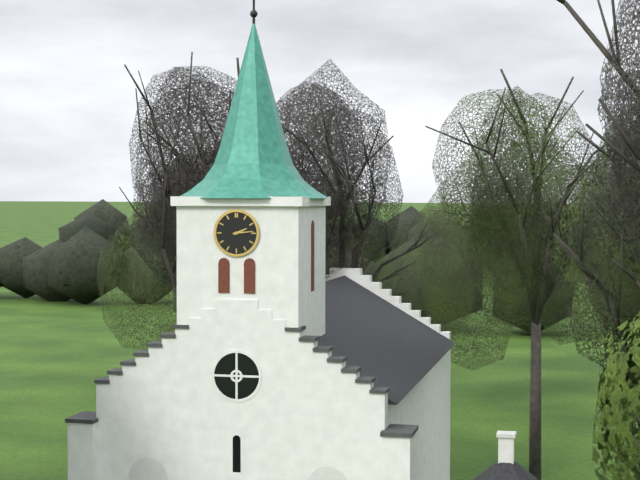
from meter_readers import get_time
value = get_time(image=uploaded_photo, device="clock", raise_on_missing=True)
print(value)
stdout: 2:14
